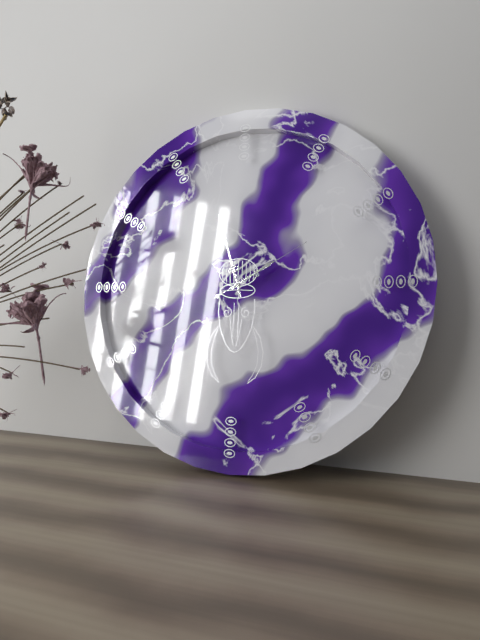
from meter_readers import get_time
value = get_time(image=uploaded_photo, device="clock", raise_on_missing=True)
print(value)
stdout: 1:57:10
